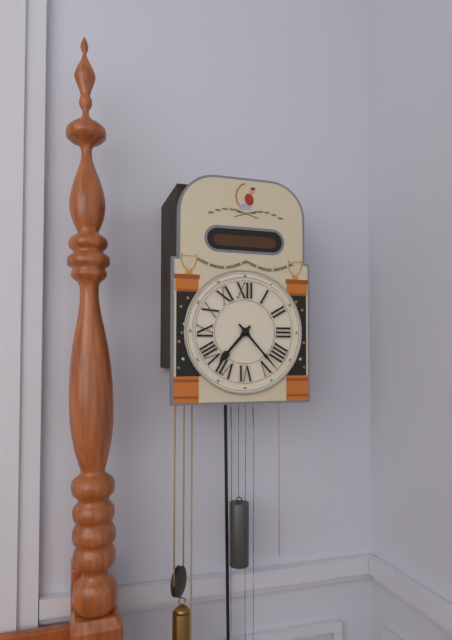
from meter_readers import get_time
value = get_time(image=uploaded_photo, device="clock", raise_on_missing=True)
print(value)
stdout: 7:23
